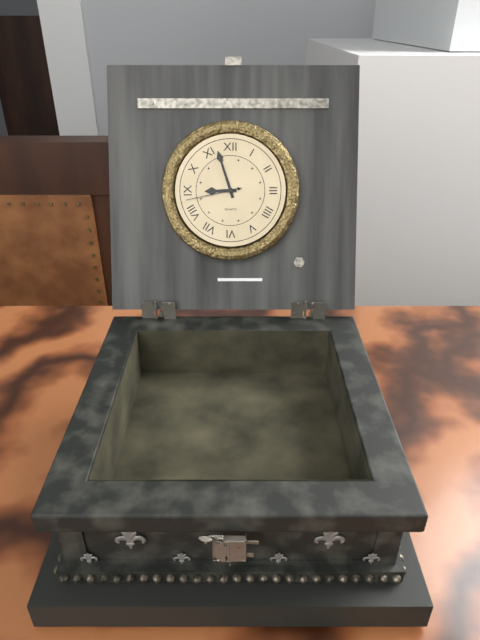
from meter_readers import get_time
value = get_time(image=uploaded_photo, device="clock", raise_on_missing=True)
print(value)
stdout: 8:57:43
